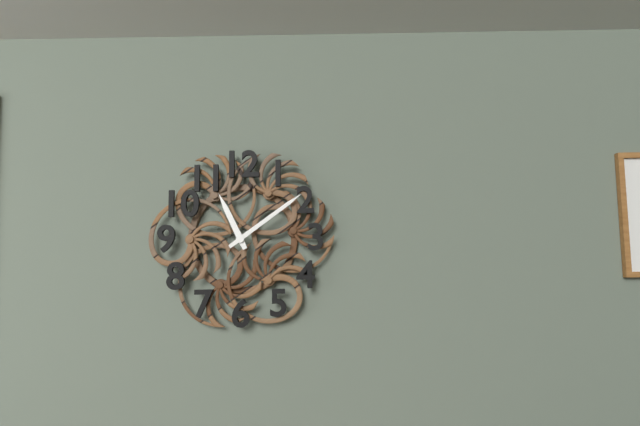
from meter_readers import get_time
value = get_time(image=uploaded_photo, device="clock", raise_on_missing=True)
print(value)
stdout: 11:09
